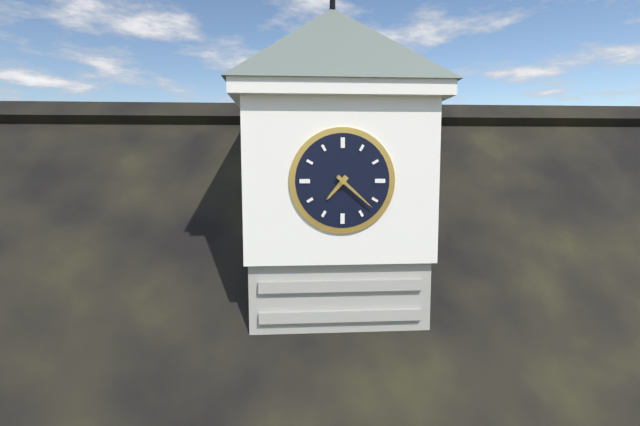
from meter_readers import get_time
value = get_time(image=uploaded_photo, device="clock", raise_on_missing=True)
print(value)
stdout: 7:22
